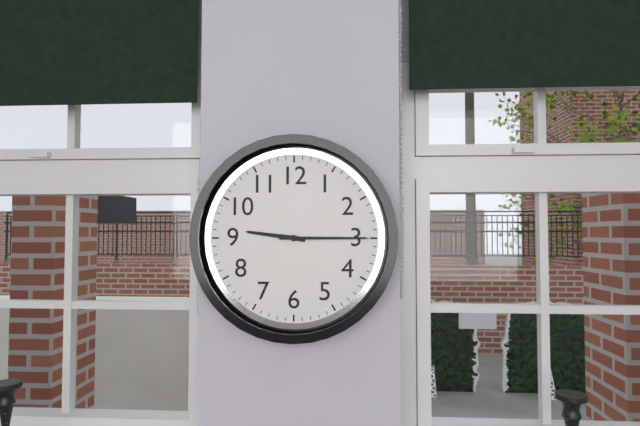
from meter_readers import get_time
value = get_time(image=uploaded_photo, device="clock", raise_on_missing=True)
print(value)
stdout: 9:15
